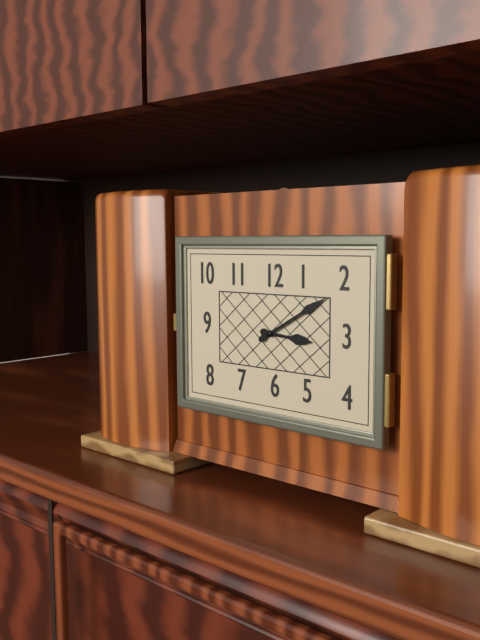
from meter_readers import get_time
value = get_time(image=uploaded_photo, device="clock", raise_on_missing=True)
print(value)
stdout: 3:10
